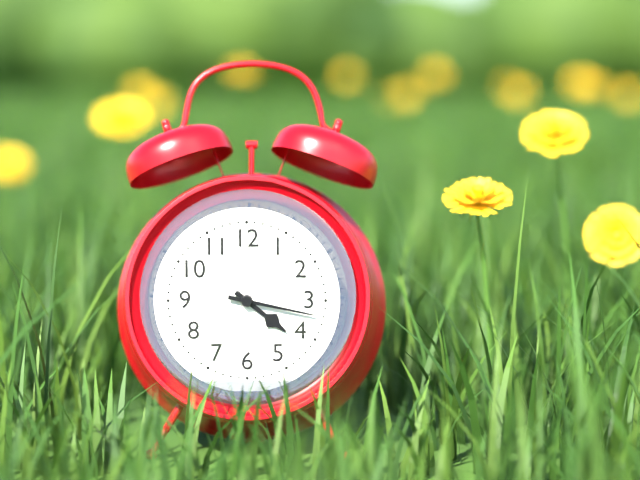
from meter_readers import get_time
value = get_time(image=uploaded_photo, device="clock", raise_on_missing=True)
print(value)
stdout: 4:17
